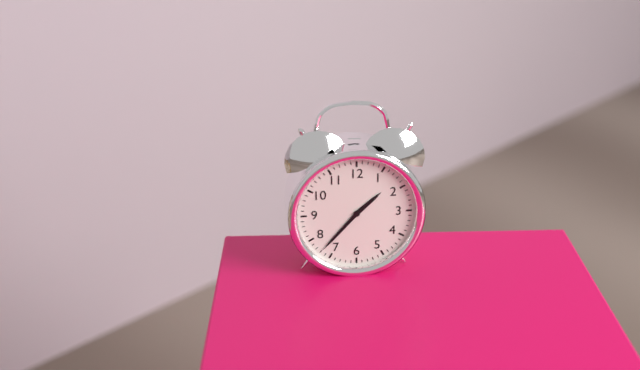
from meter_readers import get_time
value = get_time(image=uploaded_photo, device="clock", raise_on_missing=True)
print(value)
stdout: 1:37
